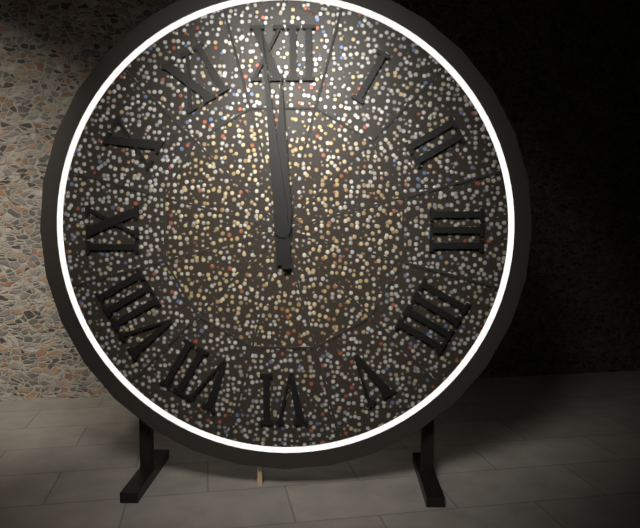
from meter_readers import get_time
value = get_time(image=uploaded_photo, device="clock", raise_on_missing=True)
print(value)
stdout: 11:59
